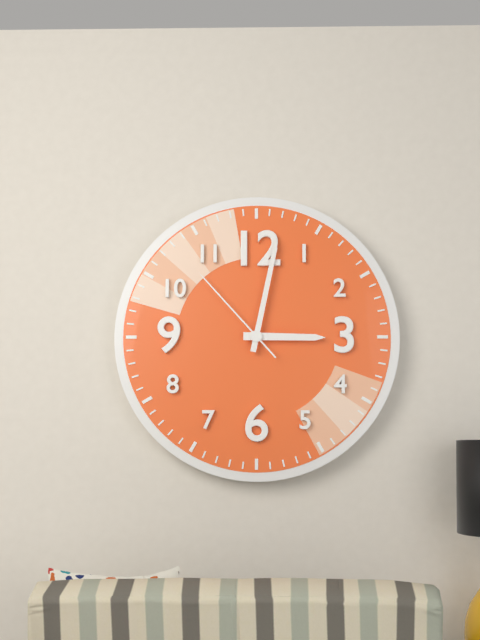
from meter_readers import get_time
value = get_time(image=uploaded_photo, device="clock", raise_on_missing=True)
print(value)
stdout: 3:02:53
